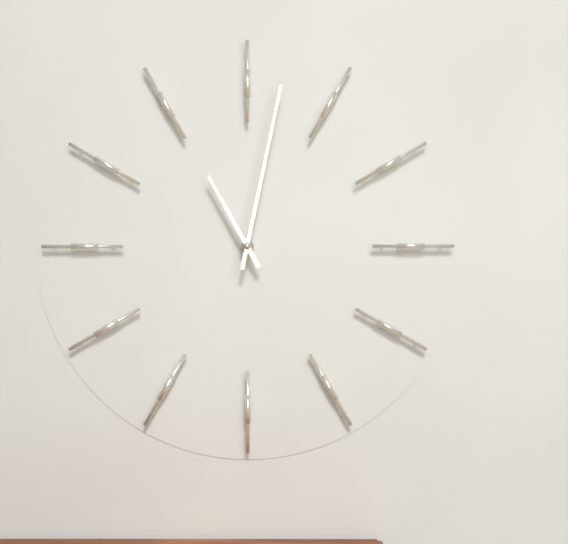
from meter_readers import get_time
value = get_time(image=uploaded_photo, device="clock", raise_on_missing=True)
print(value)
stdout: 11:02
